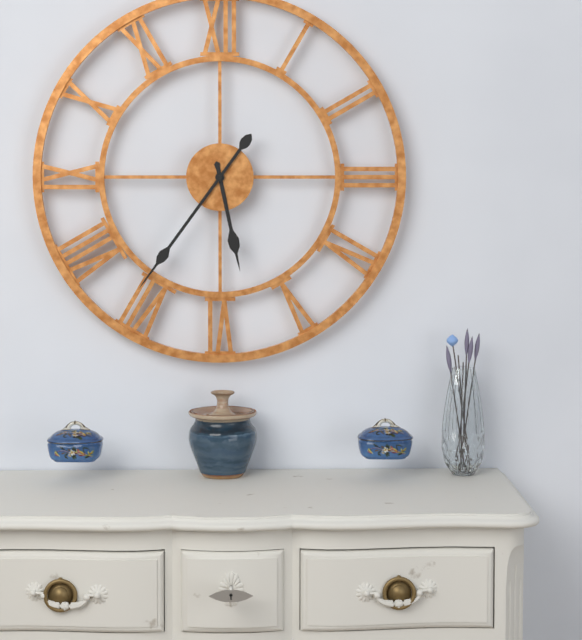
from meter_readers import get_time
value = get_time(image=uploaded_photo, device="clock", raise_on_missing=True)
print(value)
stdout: 5:36
